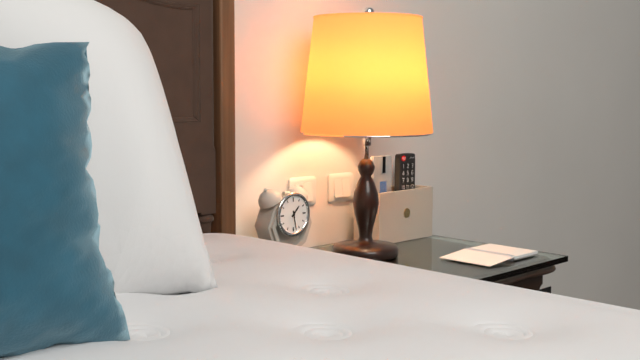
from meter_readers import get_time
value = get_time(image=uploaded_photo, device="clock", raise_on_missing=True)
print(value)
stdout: 1:28
